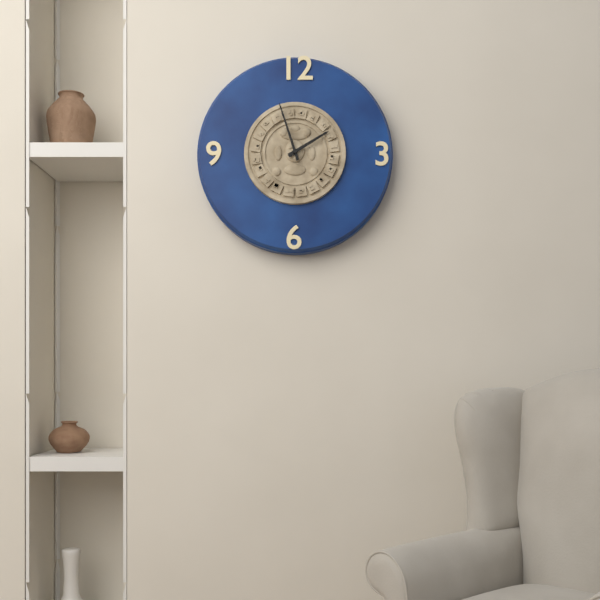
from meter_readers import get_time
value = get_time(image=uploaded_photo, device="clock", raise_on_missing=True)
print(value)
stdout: 1:57
